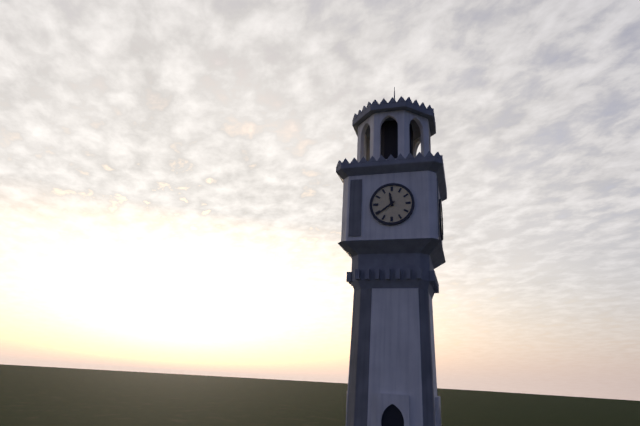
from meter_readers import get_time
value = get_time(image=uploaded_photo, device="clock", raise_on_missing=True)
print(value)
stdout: 11:39
